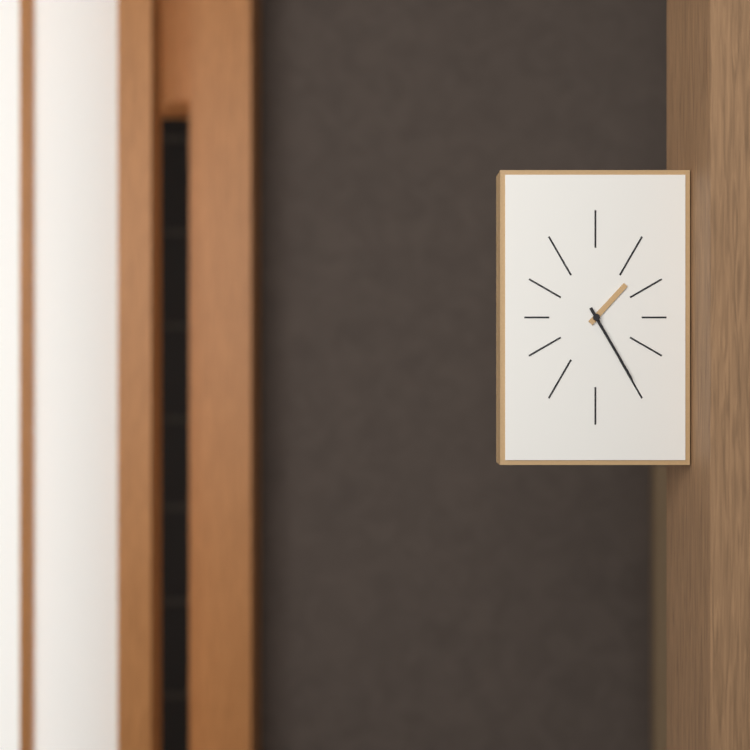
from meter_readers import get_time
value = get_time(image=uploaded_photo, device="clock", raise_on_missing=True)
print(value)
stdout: 1:25
